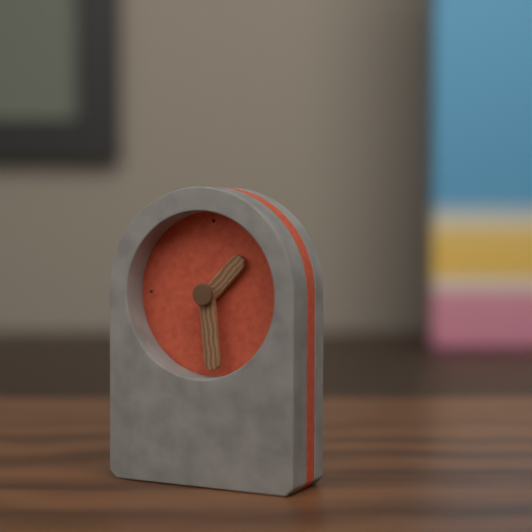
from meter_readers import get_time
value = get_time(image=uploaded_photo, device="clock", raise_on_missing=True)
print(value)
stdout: 1:29
